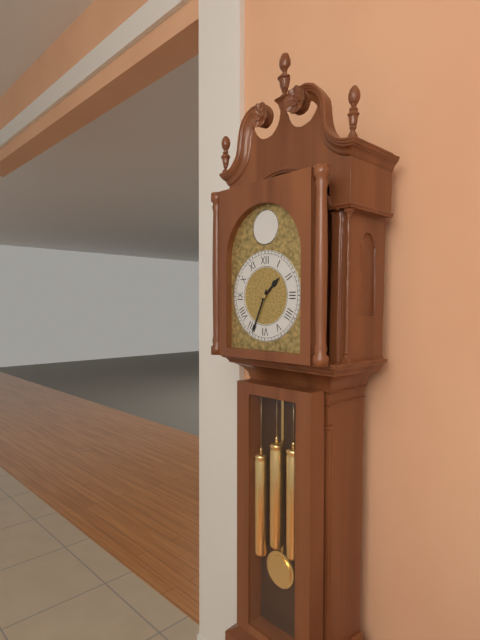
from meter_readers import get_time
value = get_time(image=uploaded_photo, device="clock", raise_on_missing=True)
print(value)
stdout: 1:34
